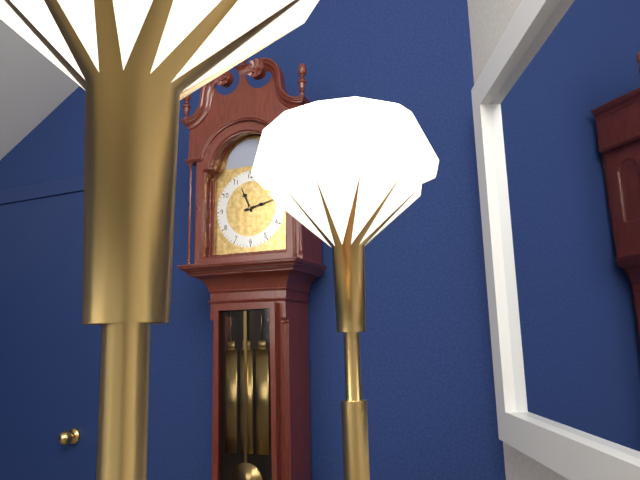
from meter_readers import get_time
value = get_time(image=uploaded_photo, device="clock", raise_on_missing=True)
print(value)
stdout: 11:13
